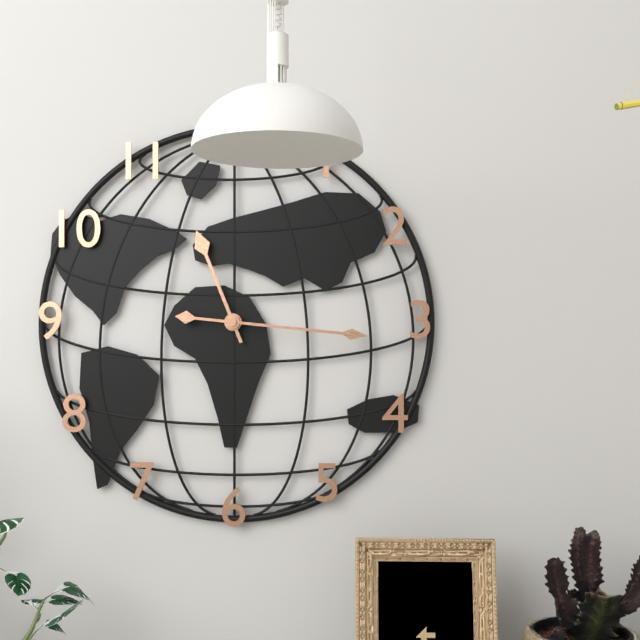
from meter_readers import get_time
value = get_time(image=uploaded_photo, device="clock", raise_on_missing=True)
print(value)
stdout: 11:16
